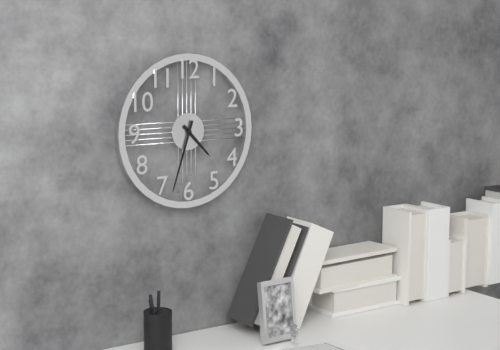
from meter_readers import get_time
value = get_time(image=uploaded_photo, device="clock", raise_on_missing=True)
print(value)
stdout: 4:33
